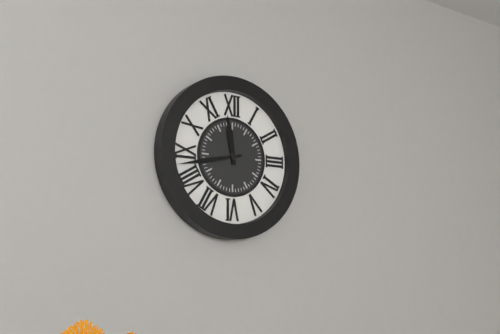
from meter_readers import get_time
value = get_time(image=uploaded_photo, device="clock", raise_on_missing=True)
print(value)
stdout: 11:43
